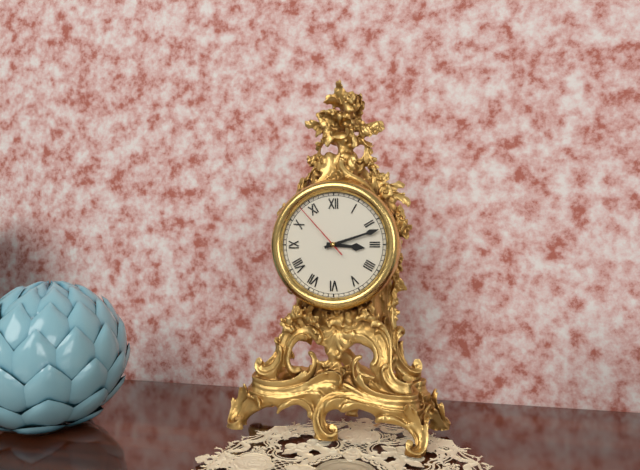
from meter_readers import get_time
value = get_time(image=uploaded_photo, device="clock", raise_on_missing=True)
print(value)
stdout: 3:12:53
